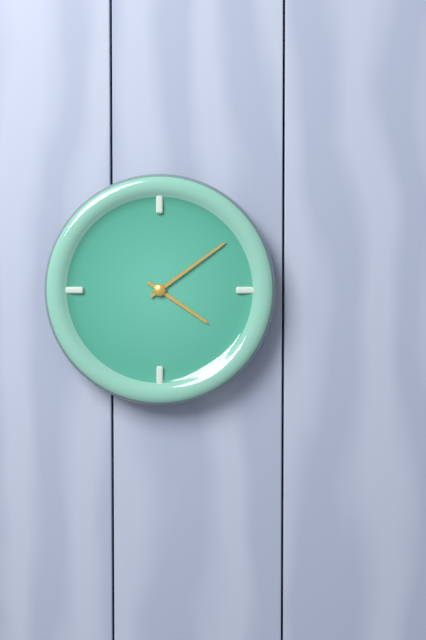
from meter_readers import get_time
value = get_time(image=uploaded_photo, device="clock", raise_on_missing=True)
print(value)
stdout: 4:09
